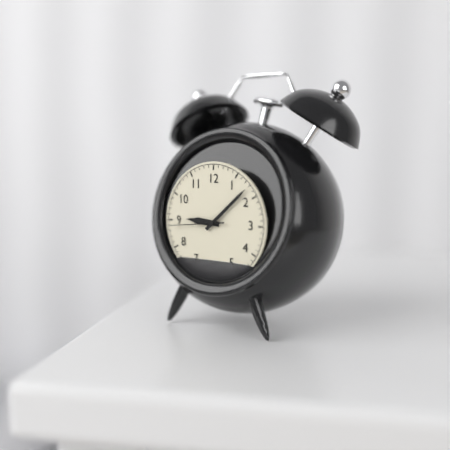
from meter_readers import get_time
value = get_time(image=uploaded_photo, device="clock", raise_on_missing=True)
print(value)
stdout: 9:08:44
